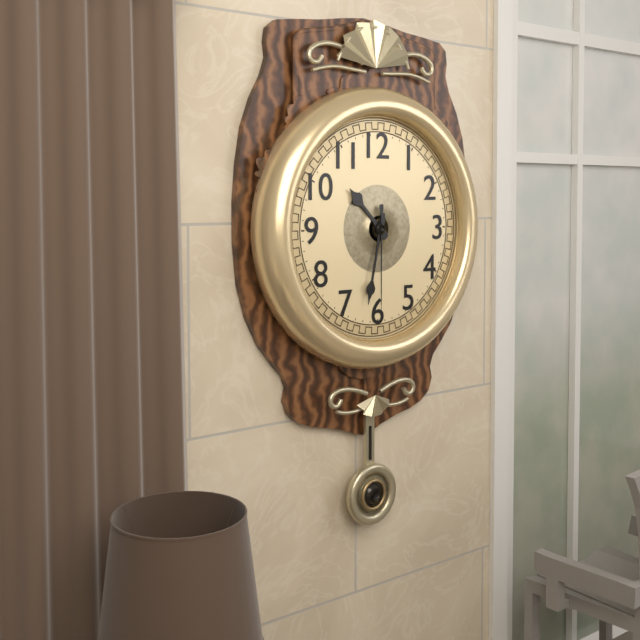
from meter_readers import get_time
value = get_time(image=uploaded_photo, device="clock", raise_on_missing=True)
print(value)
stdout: 10:32:30
